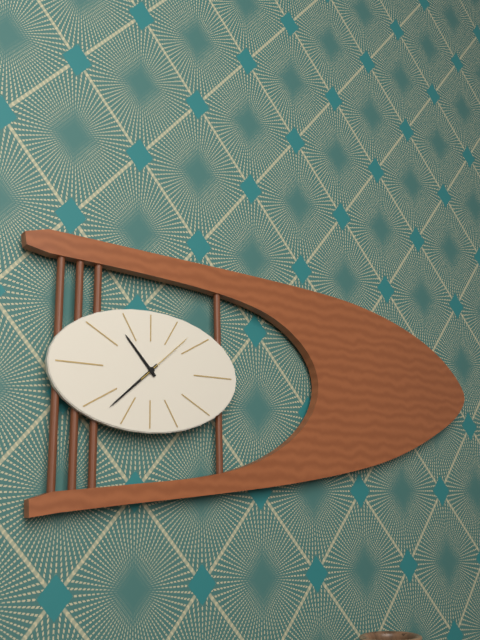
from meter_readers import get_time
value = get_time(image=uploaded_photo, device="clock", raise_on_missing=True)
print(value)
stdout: 10:38:08
